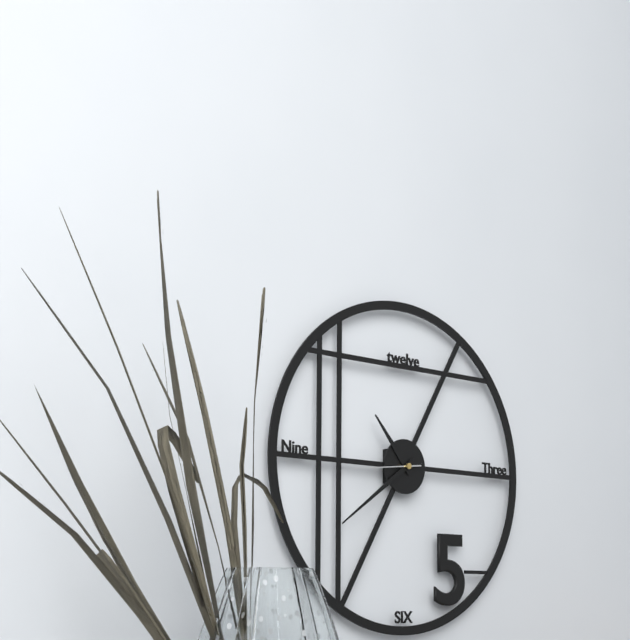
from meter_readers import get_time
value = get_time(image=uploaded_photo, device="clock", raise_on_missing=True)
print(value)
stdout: 10:39:44
